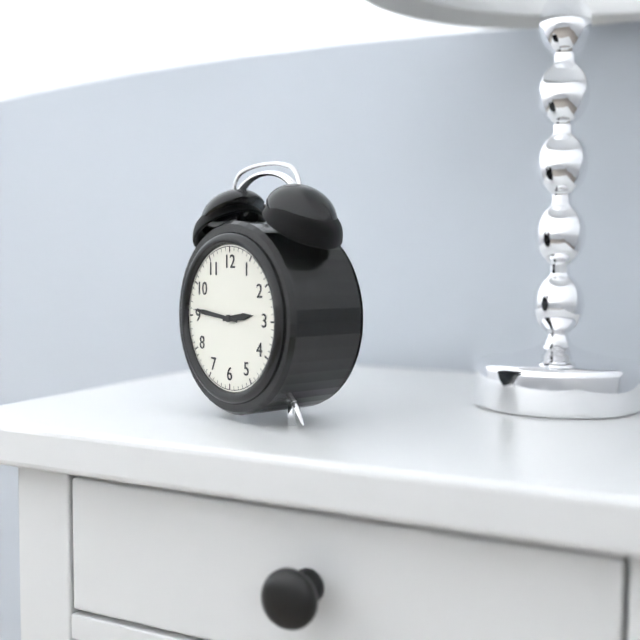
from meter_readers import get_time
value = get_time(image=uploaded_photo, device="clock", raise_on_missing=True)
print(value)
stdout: 2:46
